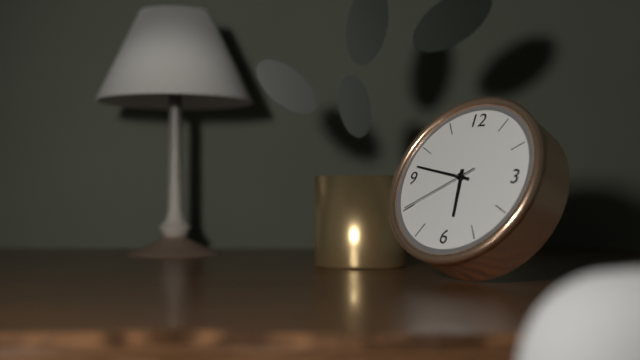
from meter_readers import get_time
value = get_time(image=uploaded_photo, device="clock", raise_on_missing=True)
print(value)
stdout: 5:47:40
